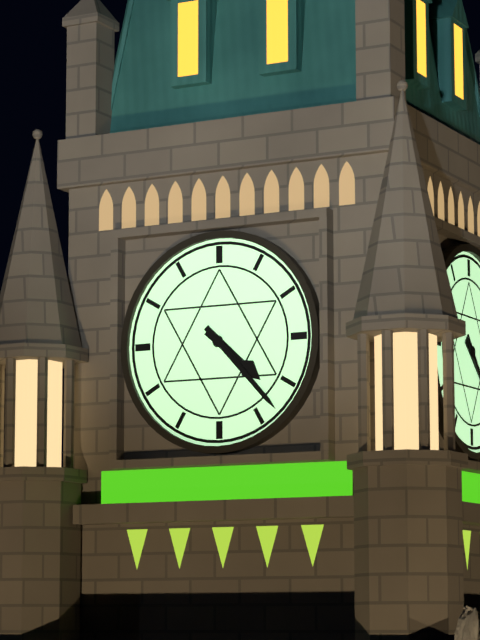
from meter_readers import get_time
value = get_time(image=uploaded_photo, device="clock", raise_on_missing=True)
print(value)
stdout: 4:23
